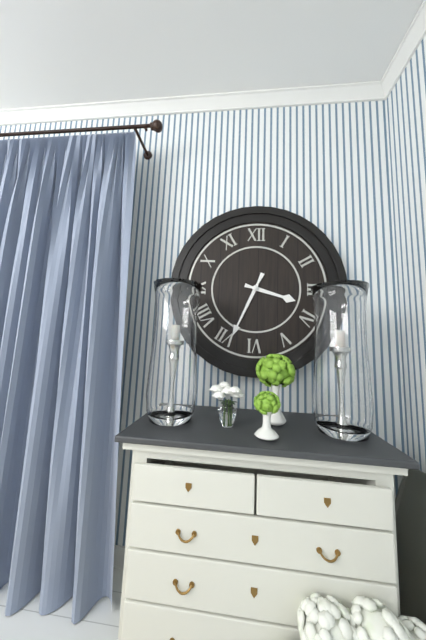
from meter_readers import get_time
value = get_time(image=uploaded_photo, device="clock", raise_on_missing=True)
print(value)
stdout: 3:34
